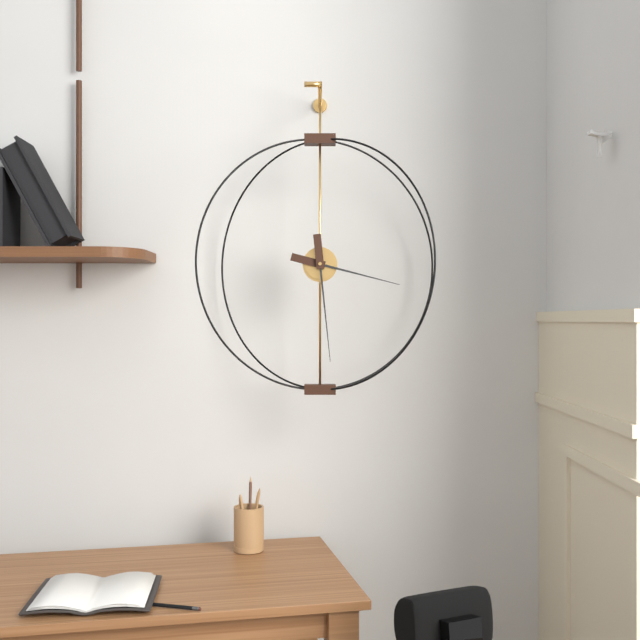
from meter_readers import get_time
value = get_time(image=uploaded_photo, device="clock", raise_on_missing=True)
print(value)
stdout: 3:29
